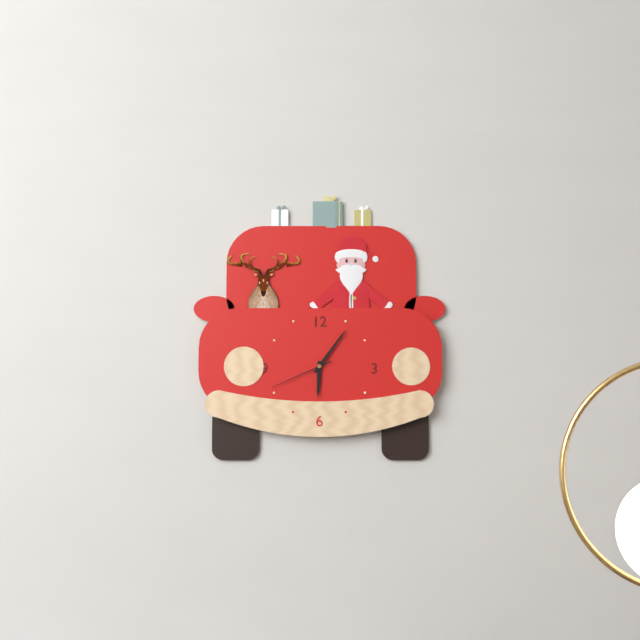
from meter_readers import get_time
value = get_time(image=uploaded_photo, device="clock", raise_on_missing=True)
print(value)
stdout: 6:06:41
